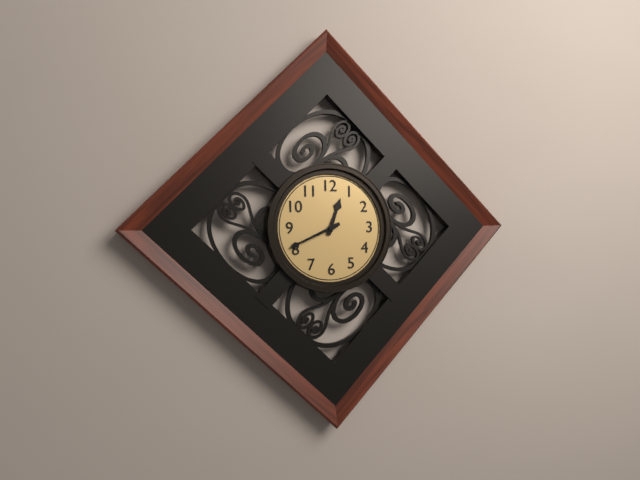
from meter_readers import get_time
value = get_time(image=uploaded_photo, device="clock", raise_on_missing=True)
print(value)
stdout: 12:41
